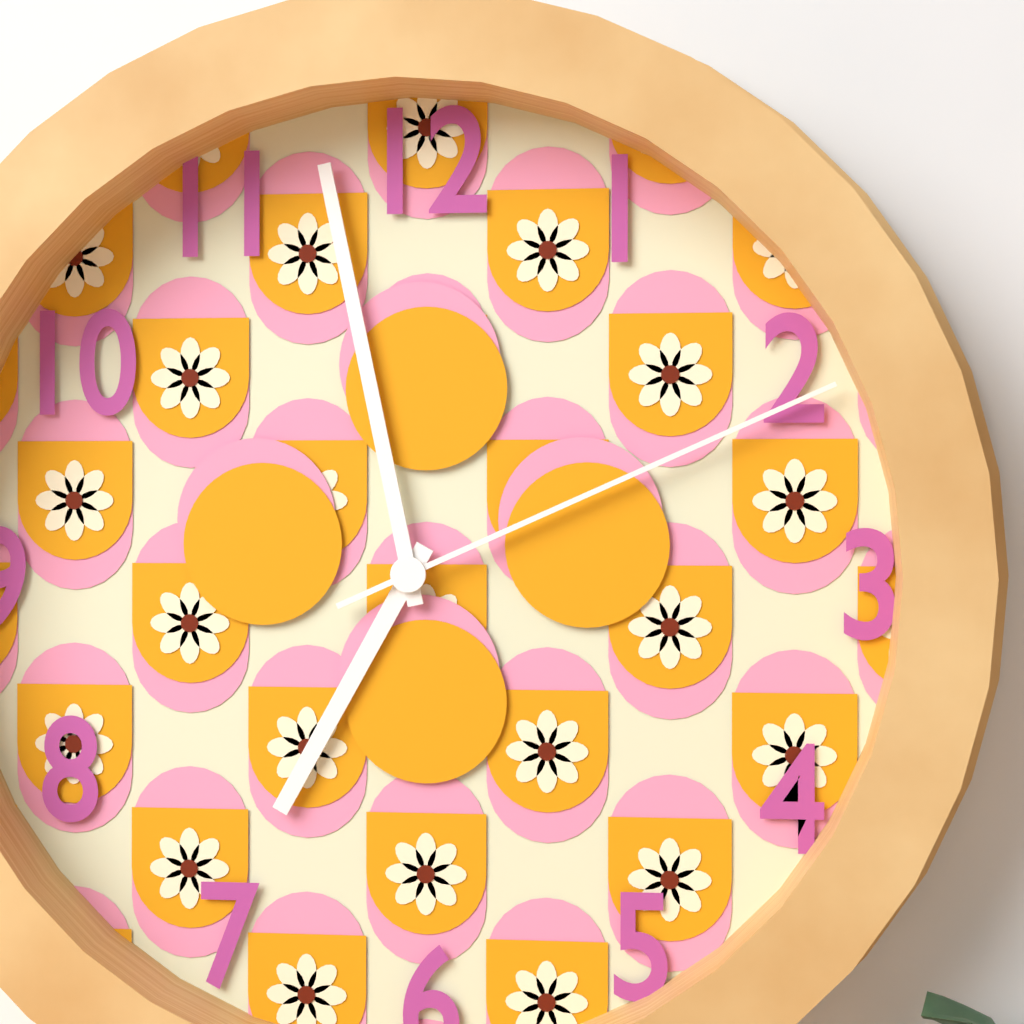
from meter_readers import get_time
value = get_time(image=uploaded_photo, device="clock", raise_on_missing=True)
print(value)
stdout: 6:58:11
